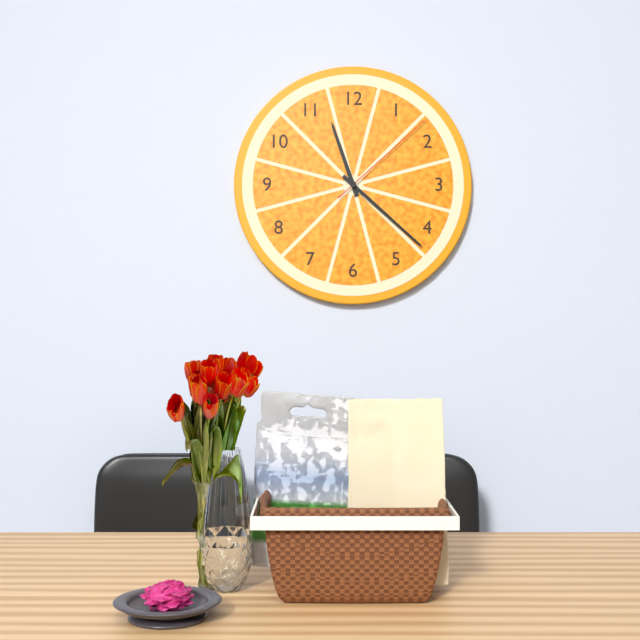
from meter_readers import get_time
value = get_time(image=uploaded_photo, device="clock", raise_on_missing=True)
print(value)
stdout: 11:22:08
